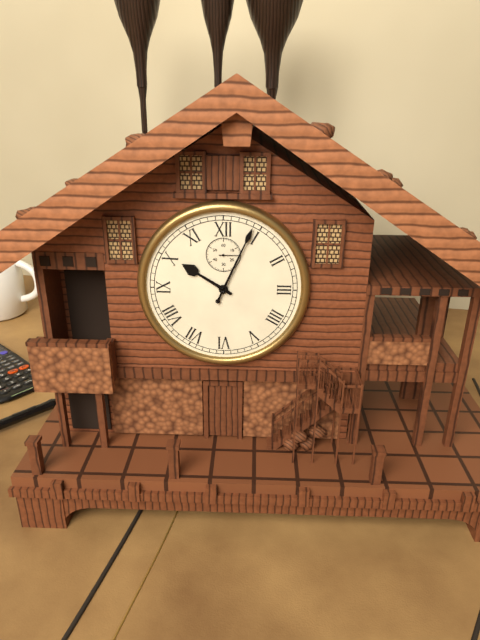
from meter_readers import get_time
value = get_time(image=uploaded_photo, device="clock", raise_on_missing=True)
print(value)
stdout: 10:04
